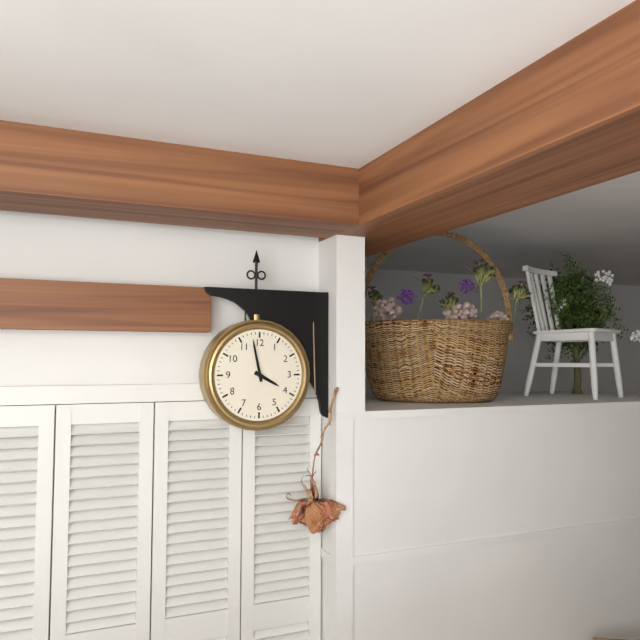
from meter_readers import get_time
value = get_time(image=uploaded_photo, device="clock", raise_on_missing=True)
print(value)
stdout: 3:58
